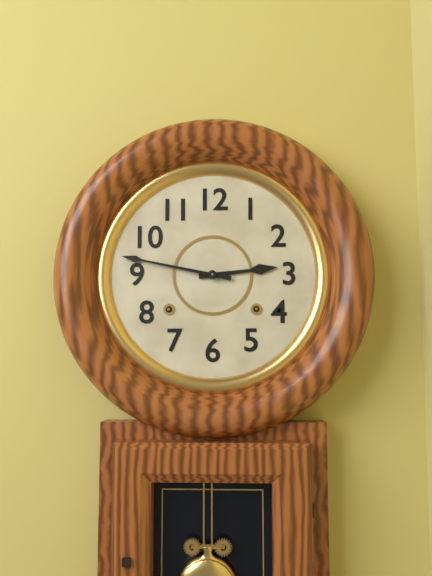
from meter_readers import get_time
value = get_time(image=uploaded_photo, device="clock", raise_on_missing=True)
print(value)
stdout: 2:47
